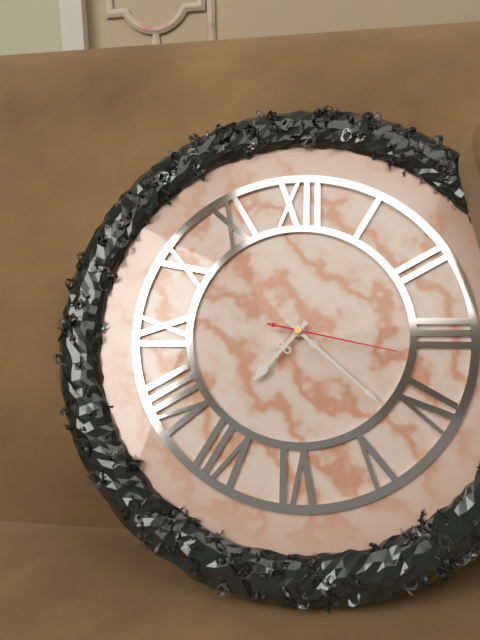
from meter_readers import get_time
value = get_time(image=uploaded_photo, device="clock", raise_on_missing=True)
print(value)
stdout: 7:22:17
